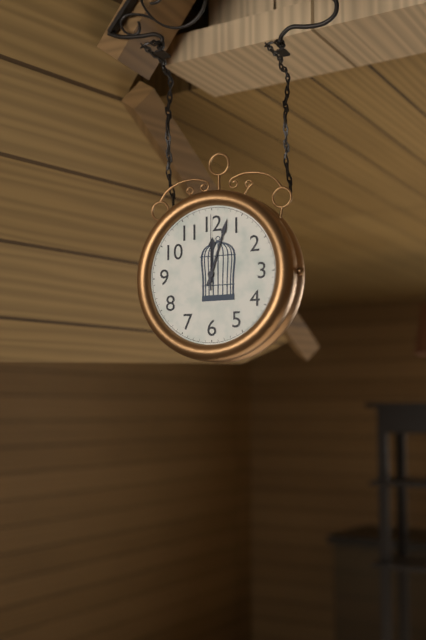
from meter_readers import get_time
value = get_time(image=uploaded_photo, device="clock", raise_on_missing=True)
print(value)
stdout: 12:03:00
